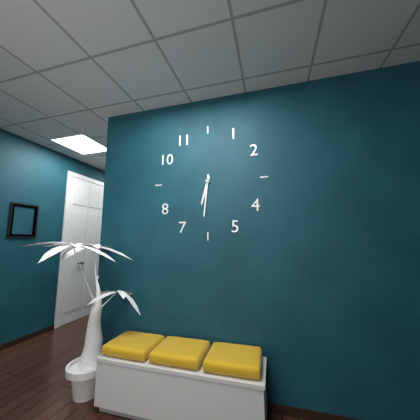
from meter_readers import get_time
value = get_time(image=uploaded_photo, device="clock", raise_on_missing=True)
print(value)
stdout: 6:31
